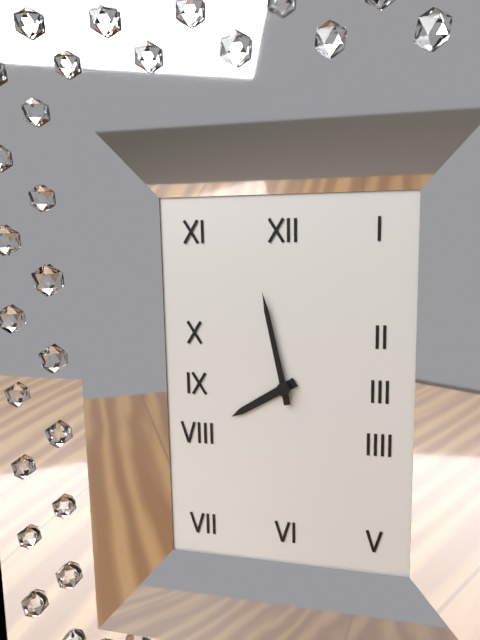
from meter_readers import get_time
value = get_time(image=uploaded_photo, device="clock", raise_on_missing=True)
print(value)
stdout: 7:58
